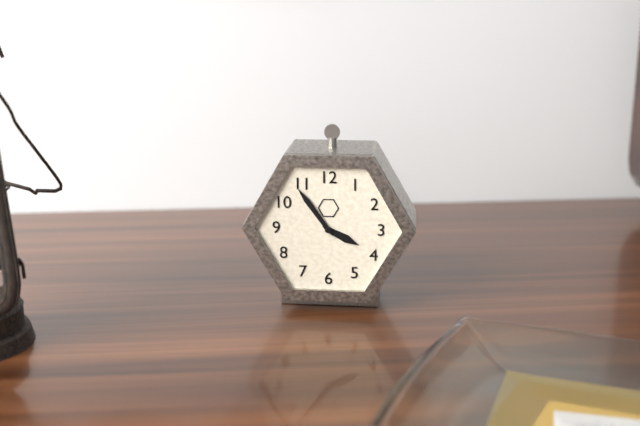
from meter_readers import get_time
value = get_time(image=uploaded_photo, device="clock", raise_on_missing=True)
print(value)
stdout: 3:54
